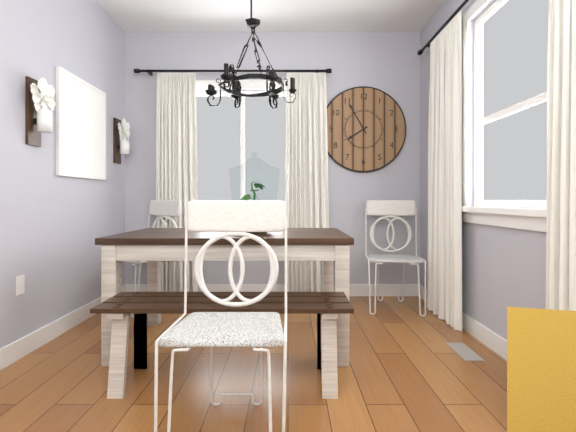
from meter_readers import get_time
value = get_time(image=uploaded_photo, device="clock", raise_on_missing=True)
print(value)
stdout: 7:55
